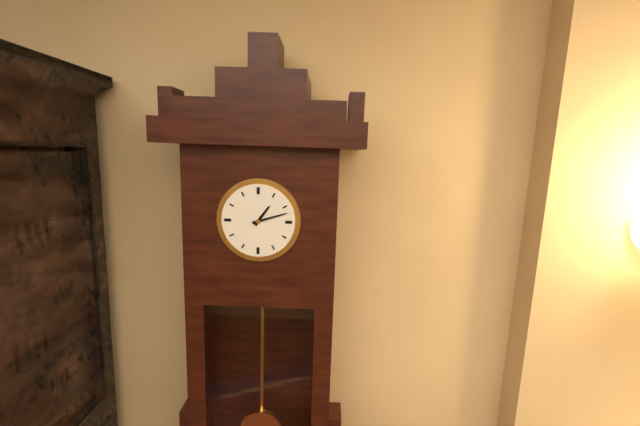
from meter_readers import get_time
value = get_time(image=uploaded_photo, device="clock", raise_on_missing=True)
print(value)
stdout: 1:12
